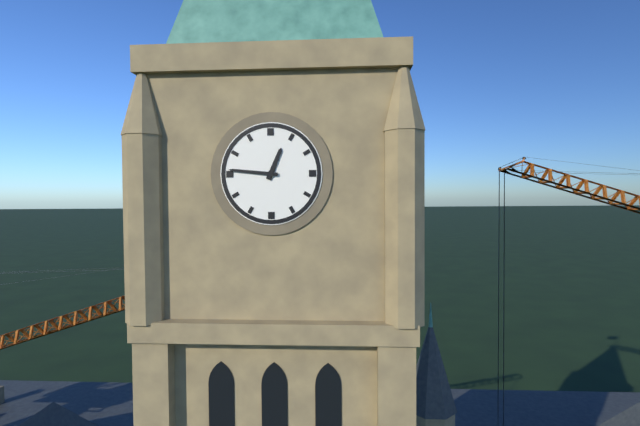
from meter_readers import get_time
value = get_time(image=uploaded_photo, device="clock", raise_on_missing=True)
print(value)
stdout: 12:46
